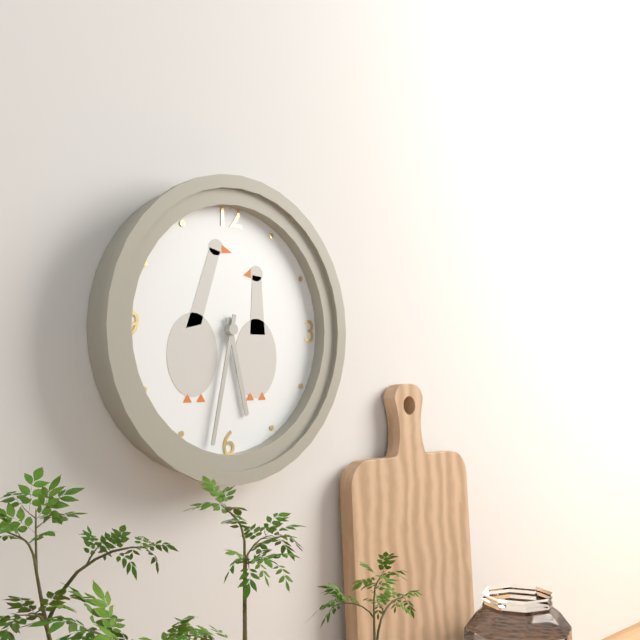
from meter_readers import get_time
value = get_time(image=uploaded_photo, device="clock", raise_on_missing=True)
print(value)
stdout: 5:32
